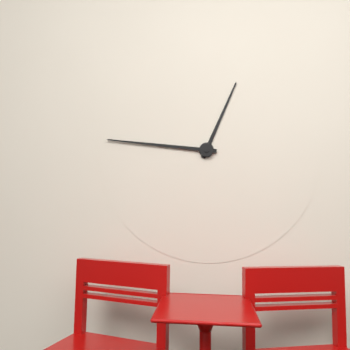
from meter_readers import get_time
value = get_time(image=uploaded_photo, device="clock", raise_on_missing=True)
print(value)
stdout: 12:46
